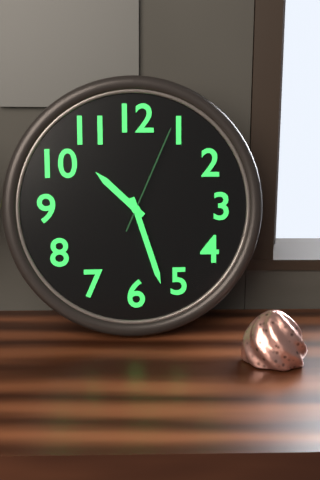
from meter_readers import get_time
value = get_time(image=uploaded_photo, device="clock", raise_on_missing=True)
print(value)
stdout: 10:27:04
